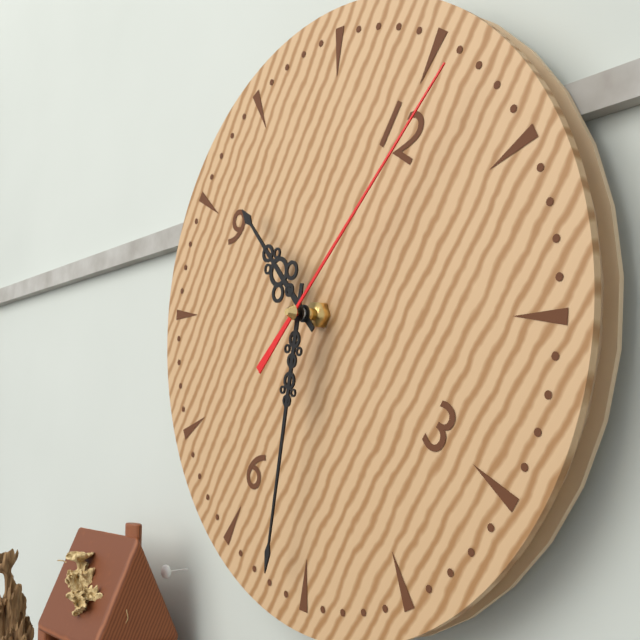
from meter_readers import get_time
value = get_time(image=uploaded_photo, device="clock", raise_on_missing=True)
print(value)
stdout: 9:26:02
